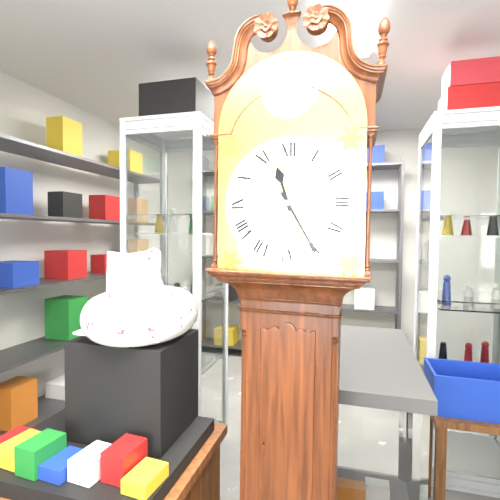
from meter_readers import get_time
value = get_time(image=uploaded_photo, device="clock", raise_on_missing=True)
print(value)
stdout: 11:25
